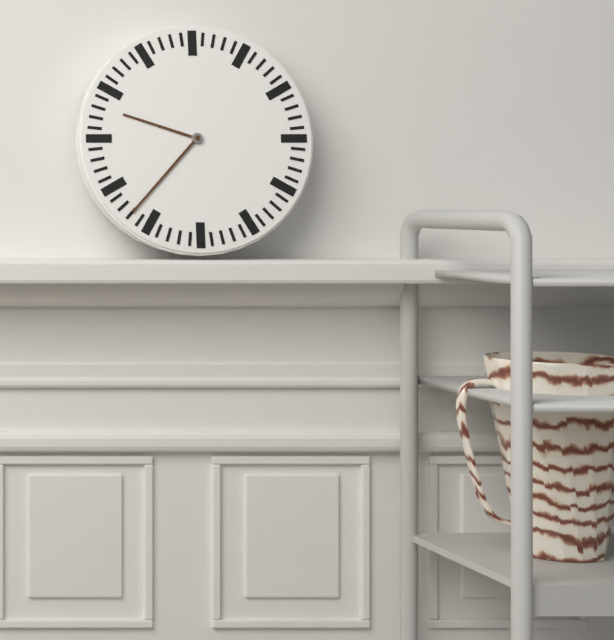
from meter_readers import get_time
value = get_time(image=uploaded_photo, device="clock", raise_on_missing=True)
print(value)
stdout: 9:37
